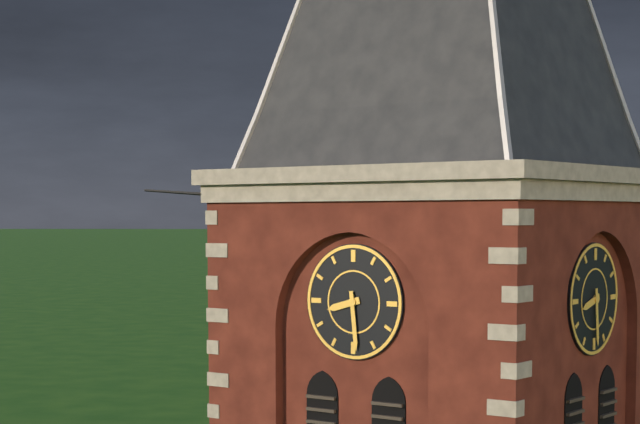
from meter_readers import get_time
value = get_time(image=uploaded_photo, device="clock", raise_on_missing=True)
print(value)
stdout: 8:29
